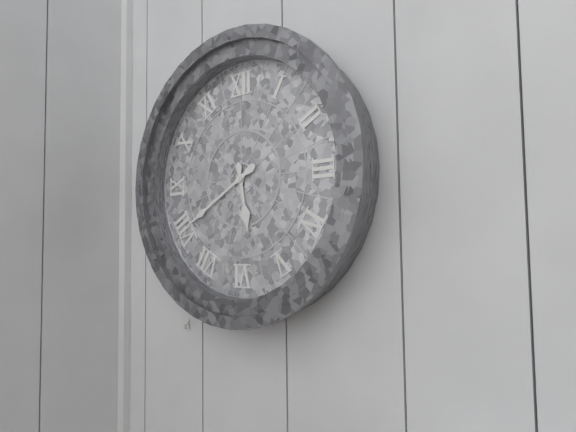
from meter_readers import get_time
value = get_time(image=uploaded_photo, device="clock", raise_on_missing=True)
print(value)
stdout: 5:40
